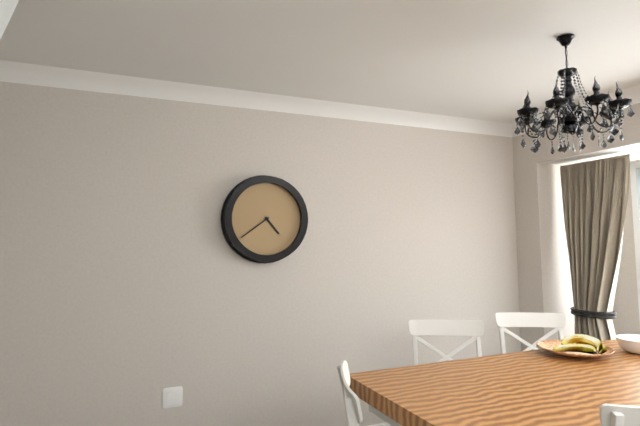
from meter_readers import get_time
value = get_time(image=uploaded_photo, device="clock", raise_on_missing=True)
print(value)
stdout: 4:39
